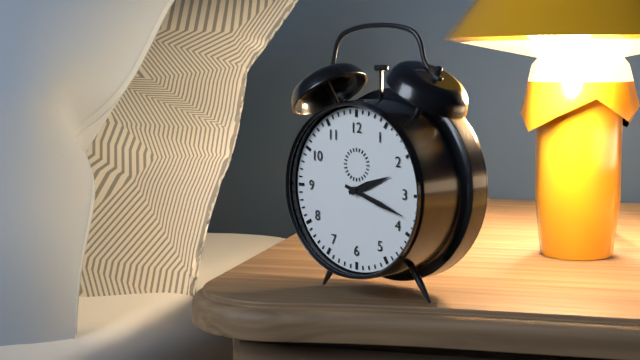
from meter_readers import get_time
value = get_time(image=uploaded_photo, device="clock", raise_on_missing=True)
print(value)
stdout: 2:18
